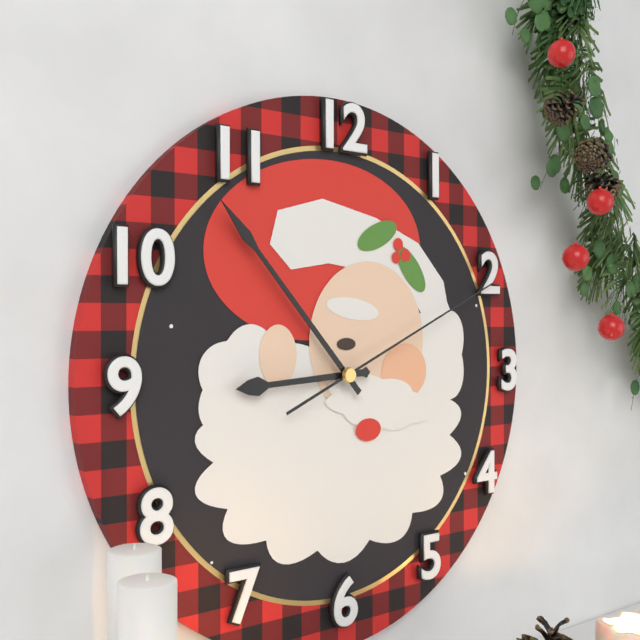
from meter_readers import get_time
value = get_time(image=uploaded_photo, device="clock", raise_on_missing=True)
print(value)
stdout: 8:53:11
